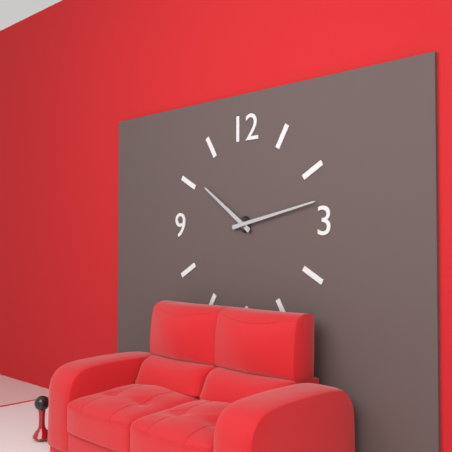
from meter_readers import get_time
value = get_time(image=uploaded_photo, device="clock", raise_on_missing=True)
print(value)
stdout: 10:13
